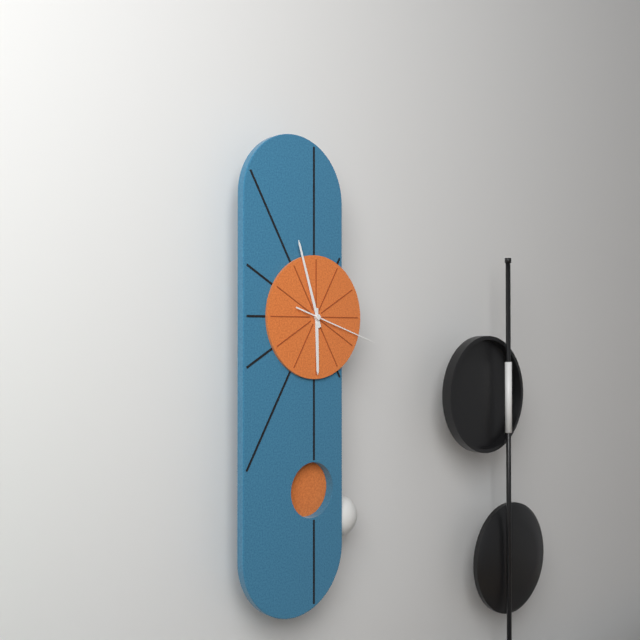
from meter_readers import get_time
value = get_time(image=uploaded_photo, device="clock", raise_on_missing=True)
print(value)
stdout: 5:57:18
